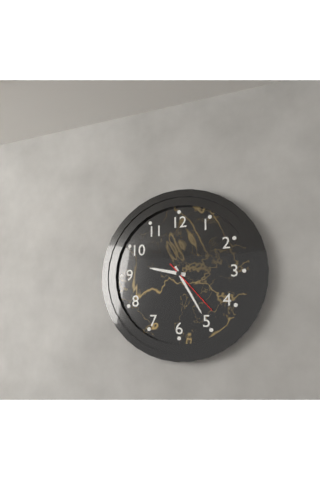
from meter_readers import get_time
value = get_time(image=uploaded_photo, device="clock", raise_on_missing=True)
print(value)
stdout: 9:25:23
